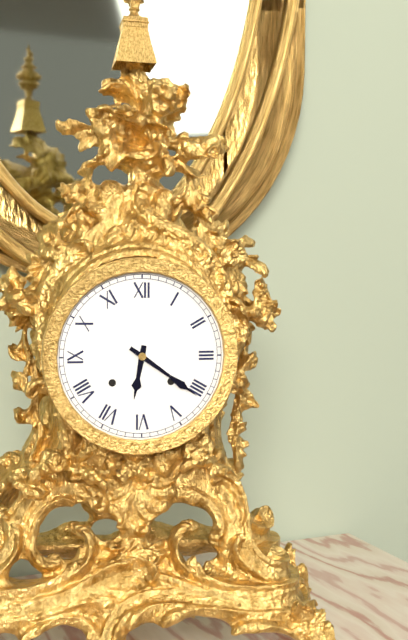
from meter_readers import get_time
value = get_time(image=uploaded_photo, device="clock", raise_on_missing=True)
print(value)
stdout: 6:21
